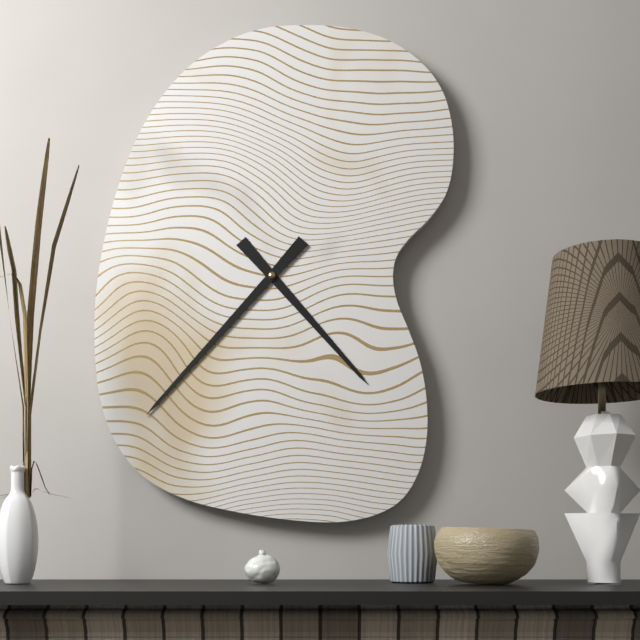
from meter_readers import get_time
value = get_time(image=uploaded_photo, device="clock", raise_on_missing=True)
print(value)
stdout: 4:37
